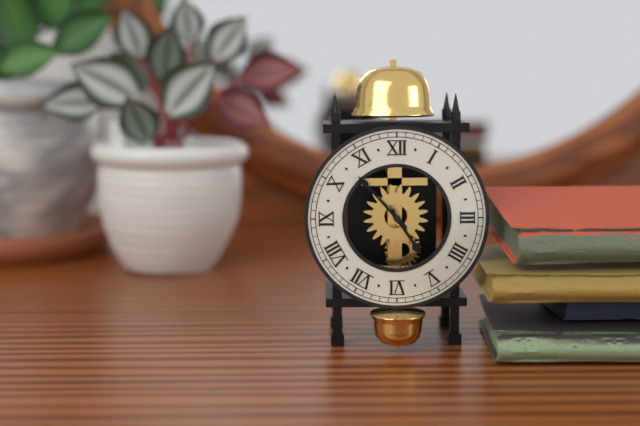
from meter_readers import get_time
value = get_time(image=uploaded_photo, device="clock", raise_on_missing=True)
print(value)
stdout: 4:53
